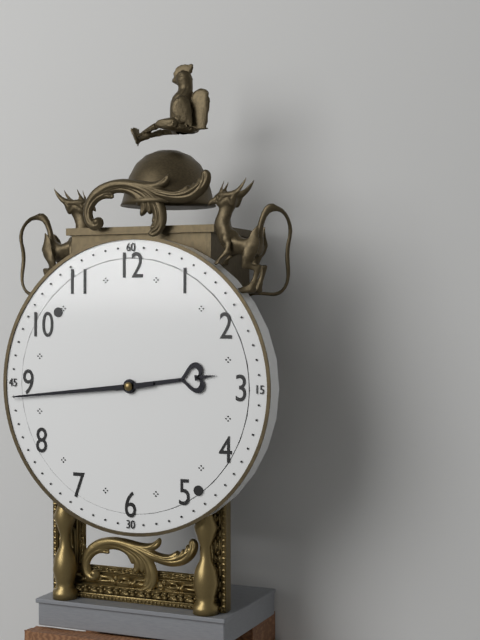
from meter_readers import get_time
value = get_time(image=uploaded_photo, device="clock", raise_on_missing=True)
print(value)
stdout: 2:44
